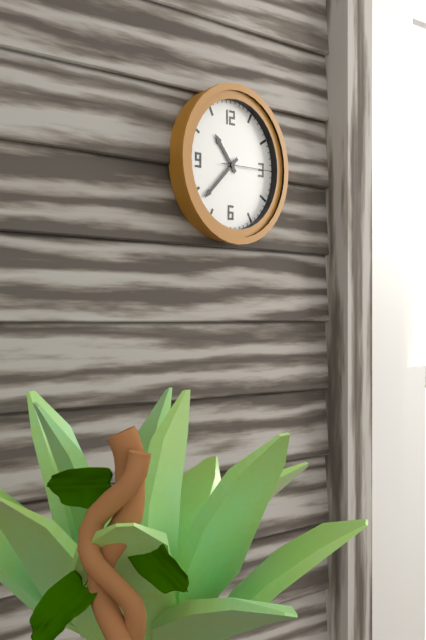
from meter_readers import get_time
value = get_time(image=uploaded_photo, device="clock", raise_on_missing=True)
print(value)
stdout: 10:38:15
